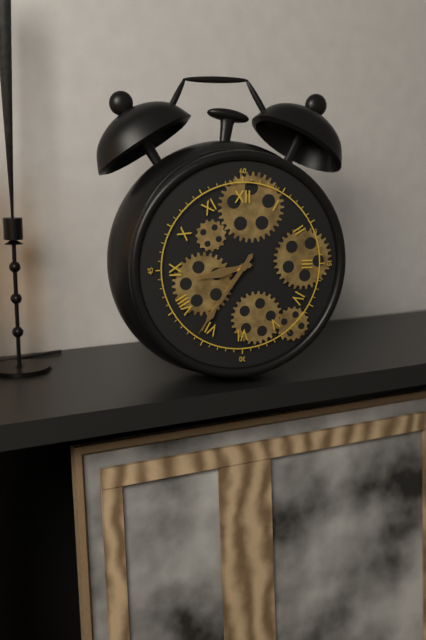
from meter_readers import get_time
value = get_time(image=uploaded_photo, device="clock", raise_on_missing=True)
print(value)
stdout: 8:36
